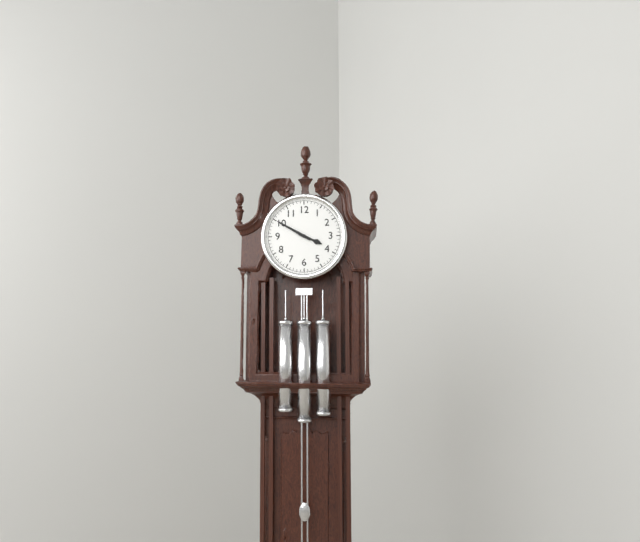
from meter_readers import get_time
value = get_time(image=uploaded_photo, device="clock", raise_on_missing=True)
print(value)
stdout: 3:50
